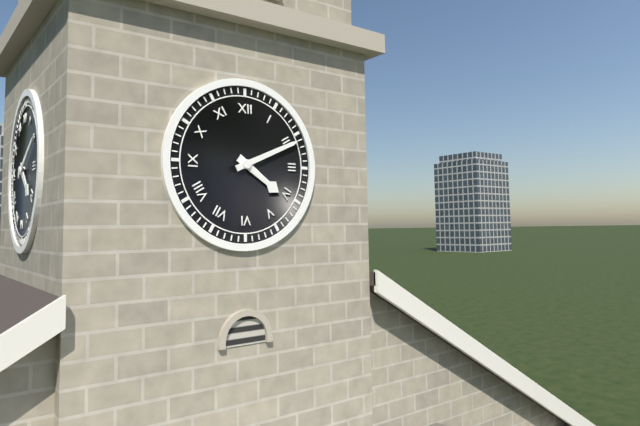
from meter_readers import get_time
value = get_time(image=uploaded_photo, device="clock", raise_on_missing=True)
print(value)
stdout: 4:11
